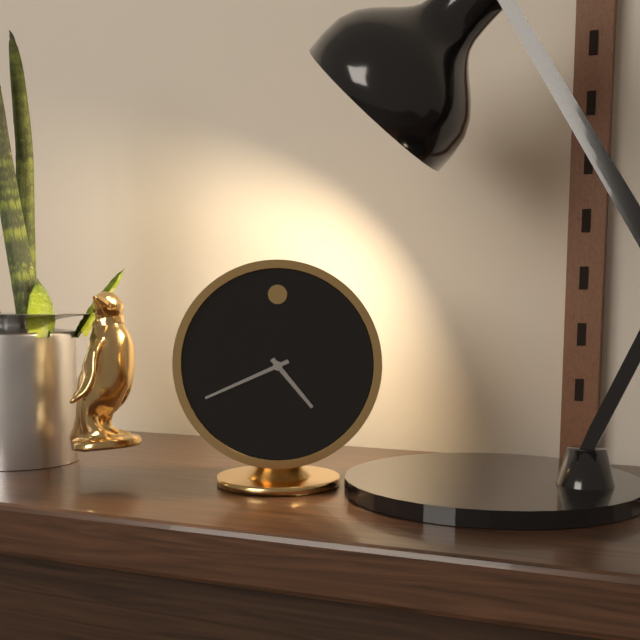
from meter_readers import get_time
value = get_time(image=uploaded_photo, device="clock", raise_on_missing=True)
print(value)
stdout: 4:41
